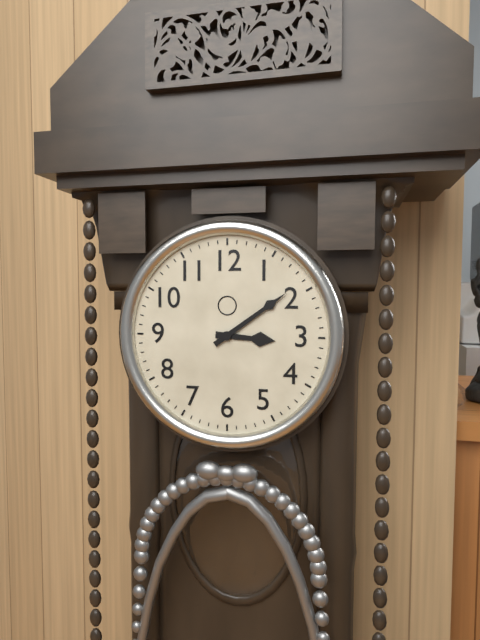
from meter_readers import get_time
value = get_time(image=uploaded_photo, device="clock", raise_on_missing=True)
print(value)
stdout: 3:09
